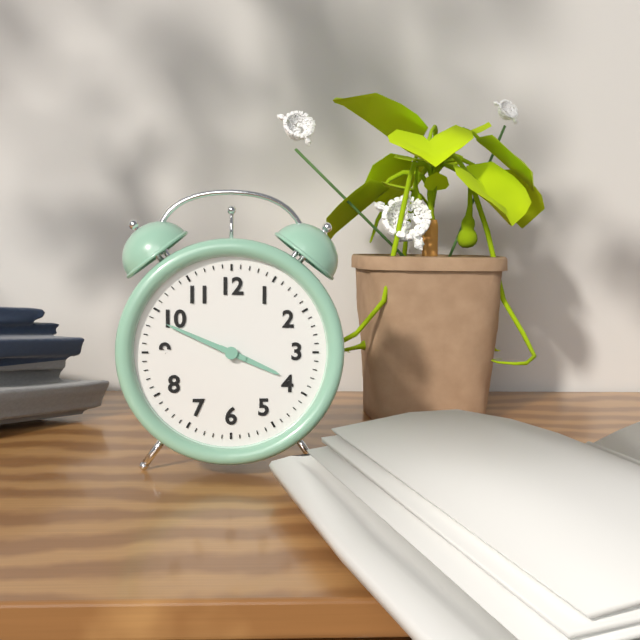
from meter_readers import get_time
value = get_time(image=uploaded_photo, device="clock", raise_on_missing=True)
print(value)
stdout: 3:49
